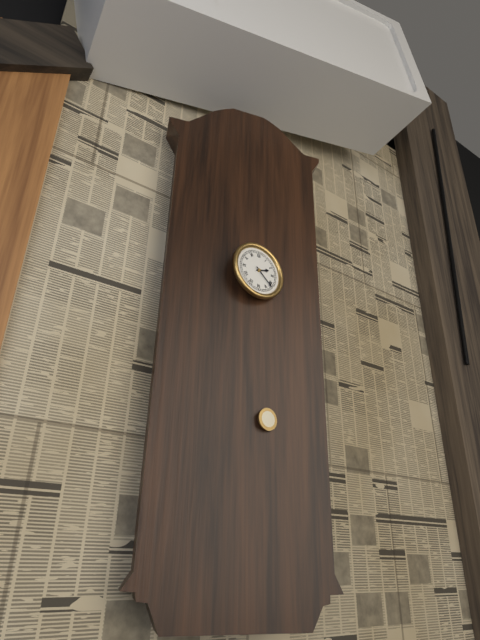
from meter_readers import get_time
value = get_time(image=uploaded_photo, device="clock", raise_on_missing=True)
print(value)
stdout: 2:22
